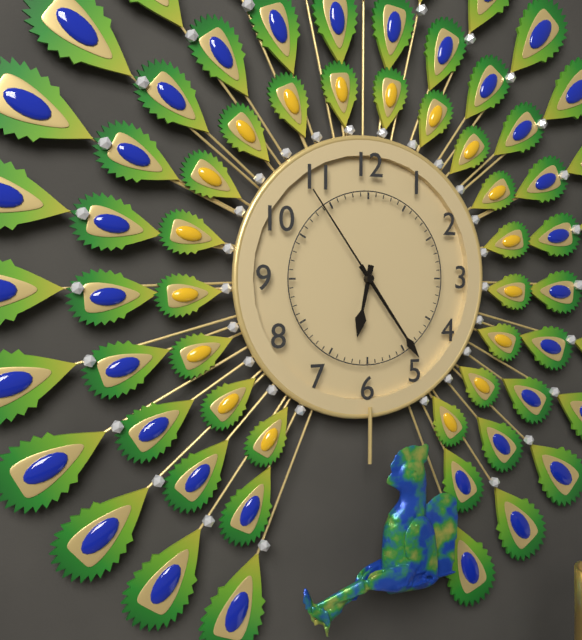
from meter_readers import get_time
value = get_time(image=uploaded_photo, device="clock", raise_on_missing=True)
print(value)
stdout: 6:24:54
